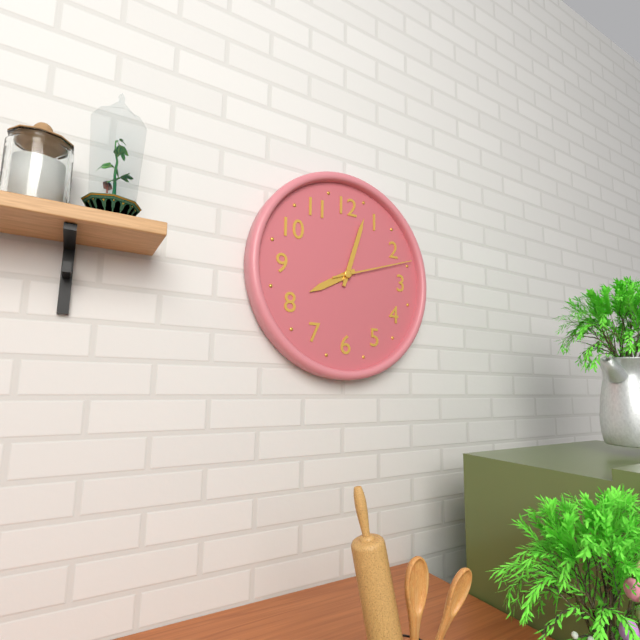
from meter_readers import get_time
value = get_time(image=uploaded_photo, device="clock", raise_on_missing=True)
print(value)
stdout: 8:03:12
